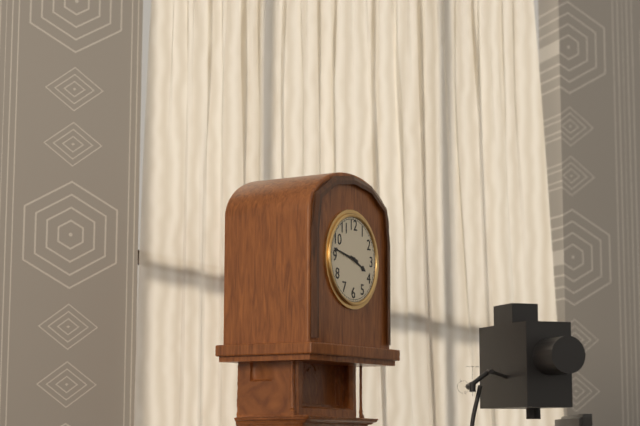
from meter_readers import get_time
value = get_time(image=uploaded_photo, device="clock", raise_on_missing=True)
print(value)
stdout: 3:47
